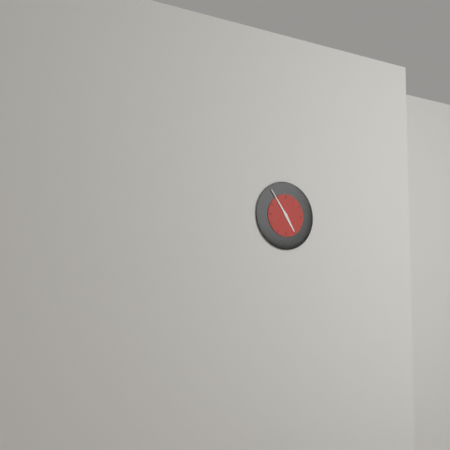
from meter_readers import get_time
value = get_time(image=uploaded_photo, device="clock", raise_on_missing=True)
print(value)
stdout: 4:54
